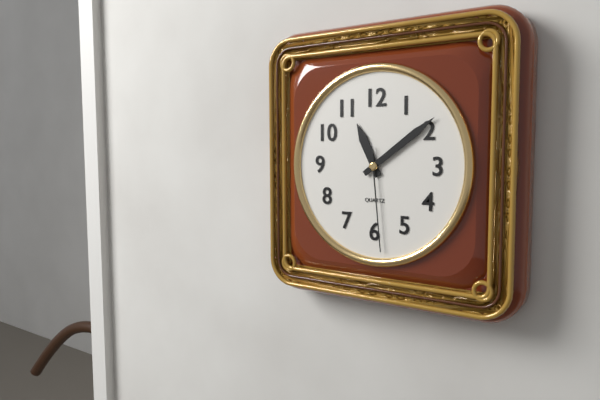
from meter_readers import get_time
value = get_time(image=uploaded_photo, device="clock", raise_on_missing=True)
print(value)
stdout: 11:09:29
